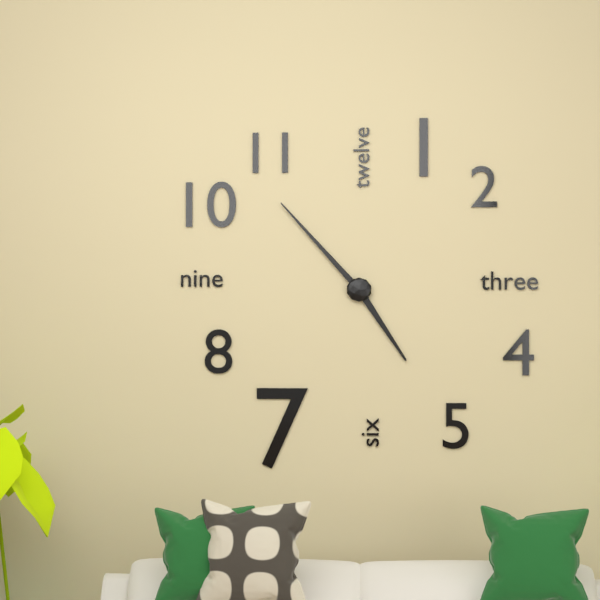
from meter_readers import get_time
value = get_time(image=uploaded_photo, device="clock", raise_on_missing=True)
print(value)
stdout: 4:53
